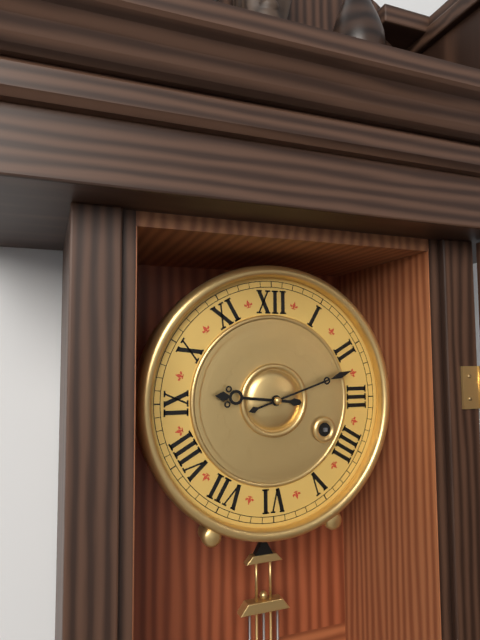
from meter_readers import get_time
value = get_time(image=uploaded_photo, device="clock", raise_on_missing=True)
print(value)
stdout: 9:12
